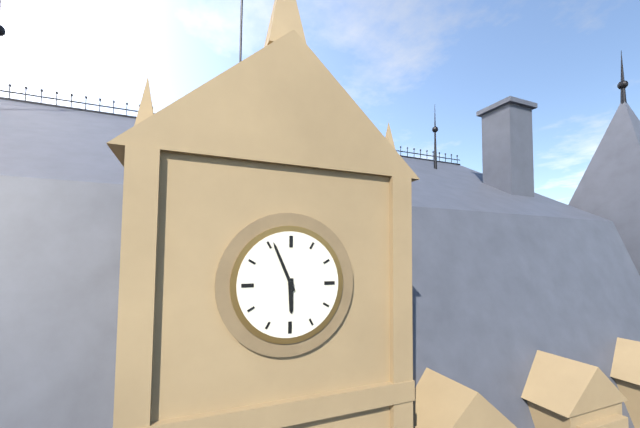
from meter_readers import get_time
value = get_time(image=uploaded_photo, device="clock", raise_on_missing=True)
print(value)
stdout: 5:56
